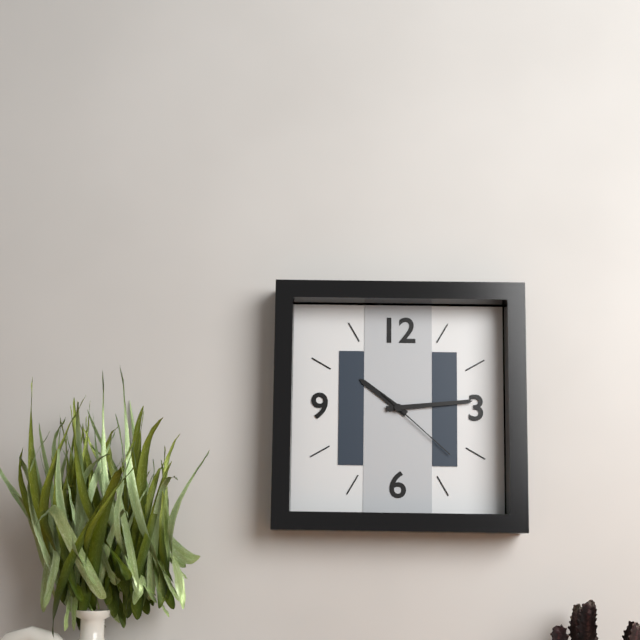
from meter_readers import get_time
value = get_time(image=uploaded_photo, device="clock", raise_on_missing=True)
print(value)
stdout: 10:14:22
